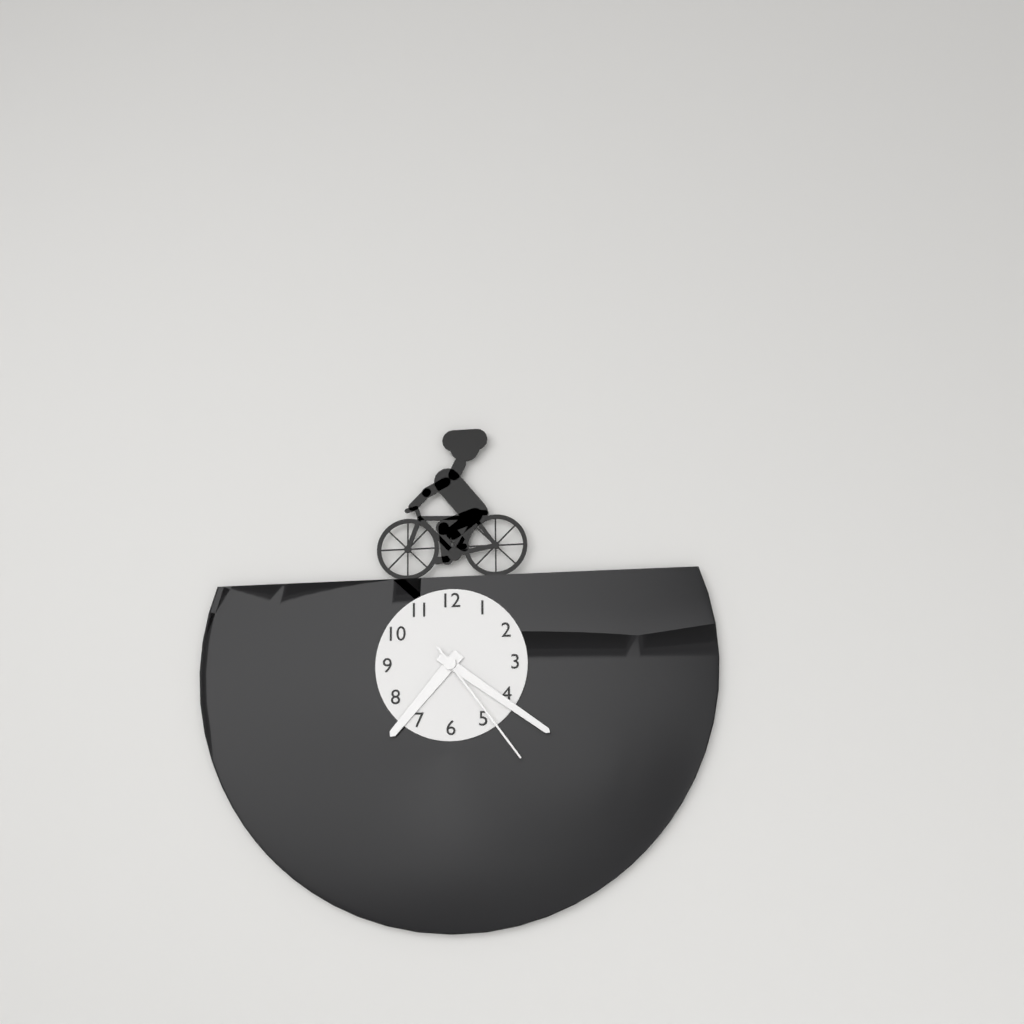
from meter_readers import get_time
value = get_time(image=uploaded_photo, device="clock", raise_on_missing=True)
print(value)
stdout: 7:21:24
